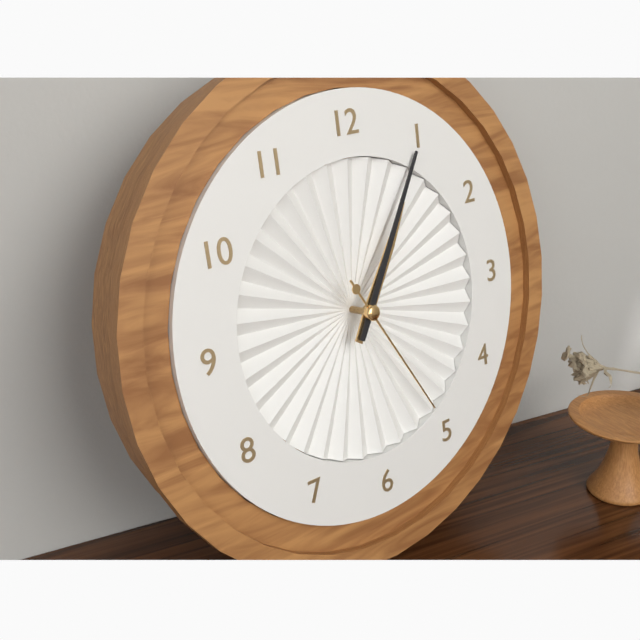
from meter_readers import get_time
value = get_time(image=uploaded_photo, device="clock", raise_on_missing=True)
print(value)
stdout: 1:05:25
